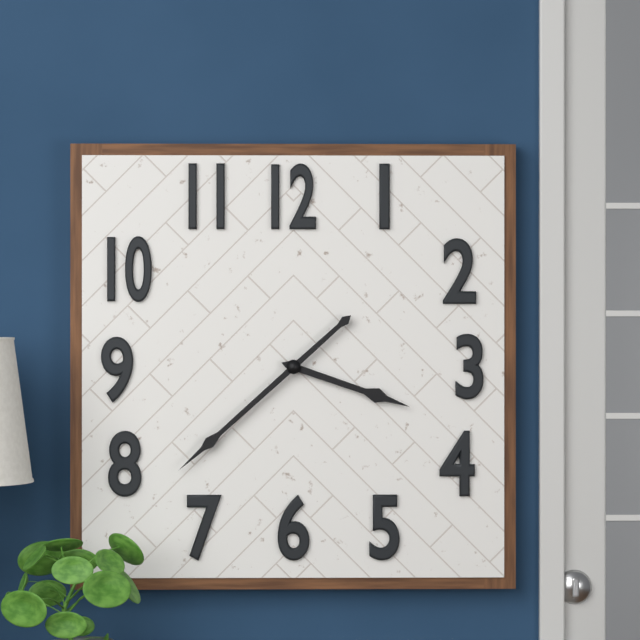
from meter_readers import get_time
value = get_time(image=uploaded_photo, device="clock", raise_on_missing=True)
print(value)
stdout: 3:38
